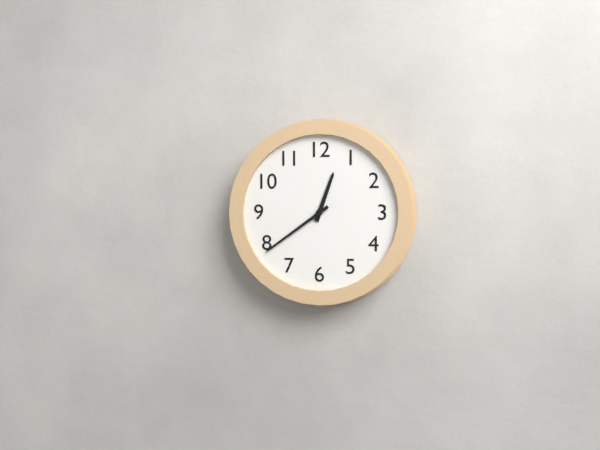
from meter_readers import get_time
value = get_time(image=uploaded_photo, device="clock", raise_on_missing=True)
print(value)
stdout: 12:39
